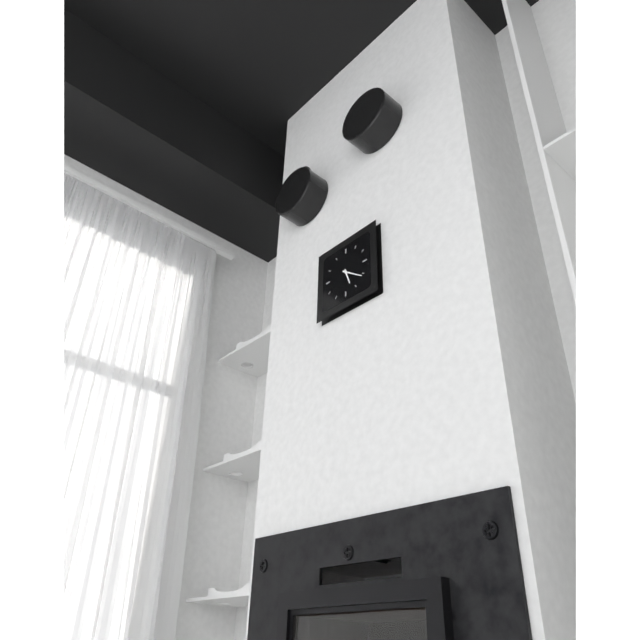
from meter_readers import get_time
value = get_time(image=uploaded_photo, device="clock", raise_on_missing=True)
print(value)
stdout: 5:21
